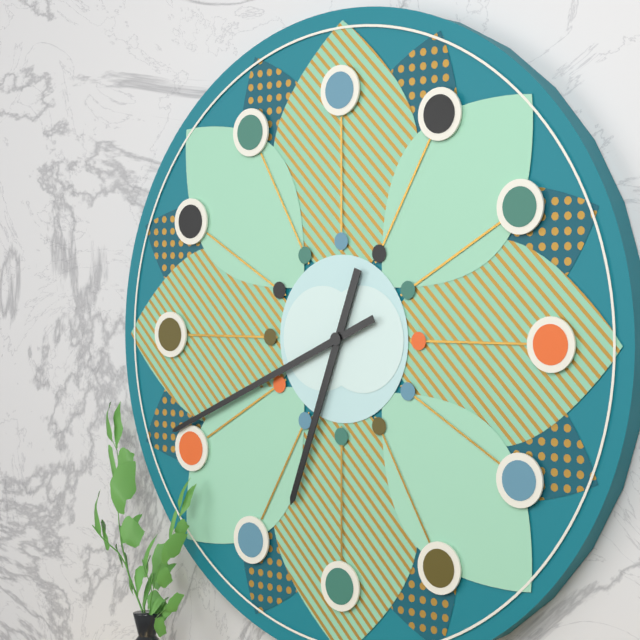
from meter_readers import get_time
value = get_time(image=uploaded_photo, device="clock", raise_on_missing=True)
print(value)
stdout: 6:41
